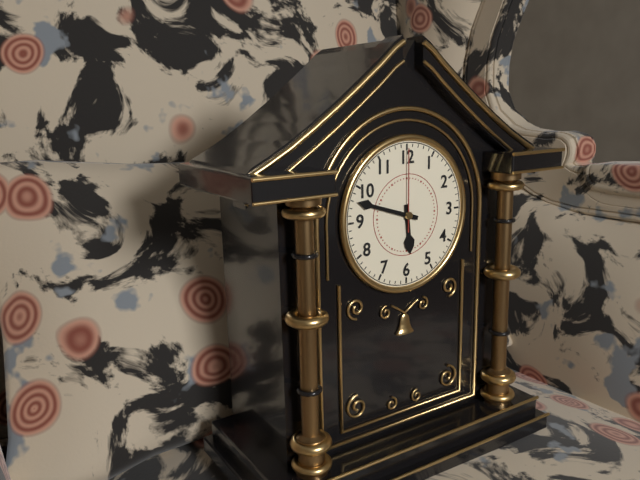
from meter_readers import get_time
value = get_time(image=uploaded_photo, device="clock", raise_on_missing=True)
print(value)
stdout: 5:48:00
